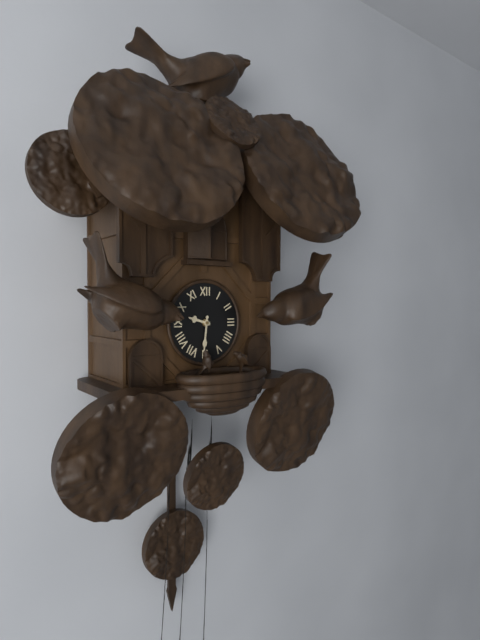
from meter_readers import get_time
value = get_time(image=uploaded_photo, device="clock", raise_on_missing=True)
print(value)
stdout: 9:31
